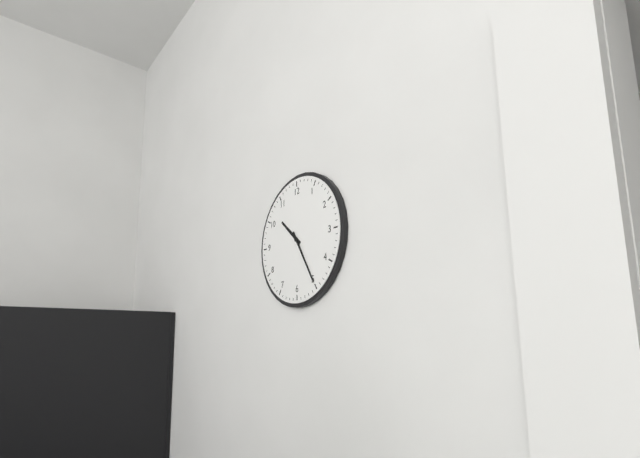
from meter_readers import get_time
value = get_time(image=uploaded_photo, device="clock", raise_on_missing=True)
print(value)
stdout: 10:25
